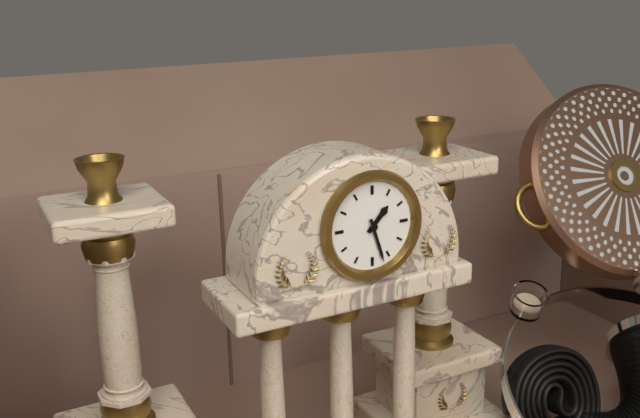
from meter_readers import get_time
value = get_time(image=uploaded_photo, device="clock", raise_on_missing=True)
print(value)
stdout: 1:27
